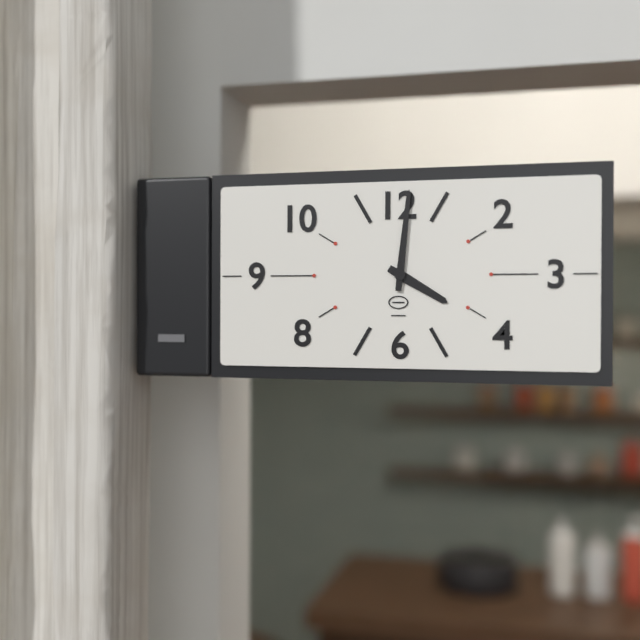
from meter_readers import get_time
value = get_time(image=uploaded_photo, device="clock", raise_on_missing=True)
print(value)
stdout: 4:01
